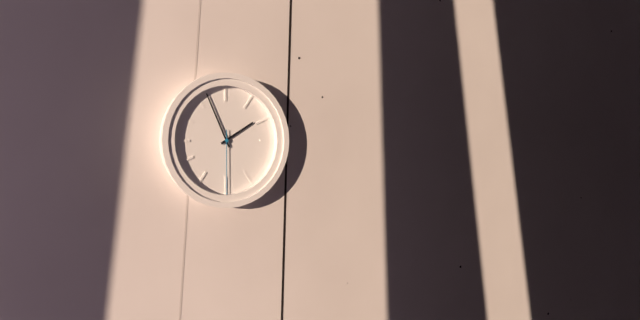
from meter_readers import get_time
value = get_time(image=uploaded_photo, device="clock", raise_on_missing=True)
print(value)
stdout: 1:56:30
